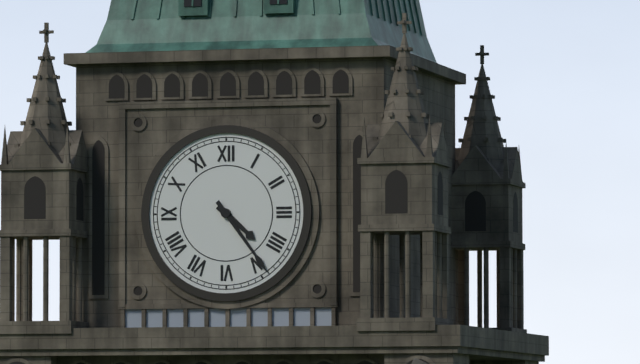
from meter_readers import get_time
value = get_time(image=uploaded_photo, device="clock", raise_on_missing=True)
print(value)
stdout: 4:24
